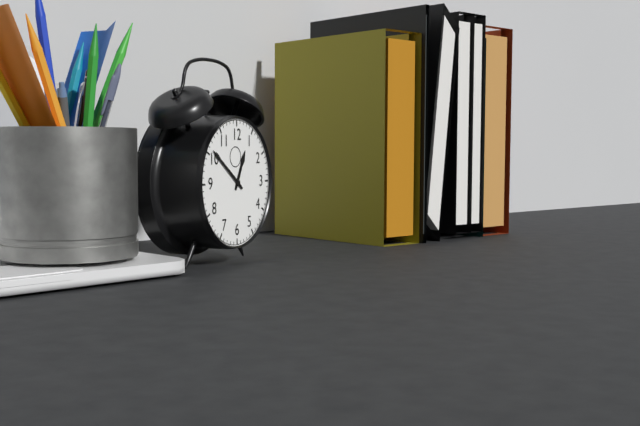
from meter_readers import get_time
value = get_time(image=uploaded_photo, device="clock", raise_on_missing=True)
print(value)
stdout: 12:51
